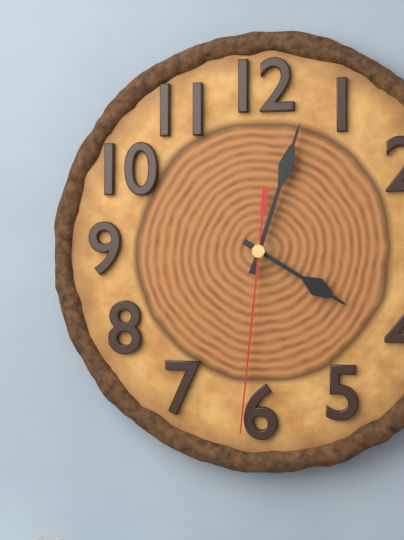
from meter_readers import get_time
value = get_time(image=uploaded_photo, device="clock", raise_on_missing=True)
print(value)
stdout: 4:03:31
